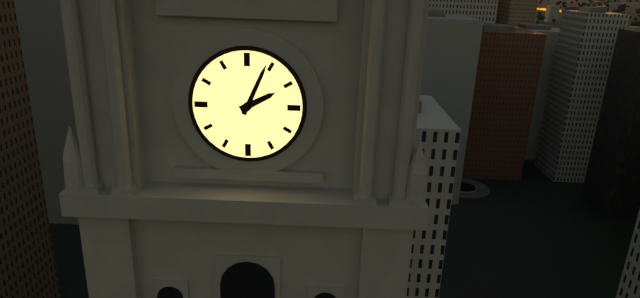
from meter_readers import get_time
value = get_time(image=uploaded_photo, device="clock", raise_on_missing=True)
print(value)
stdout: 2:04
